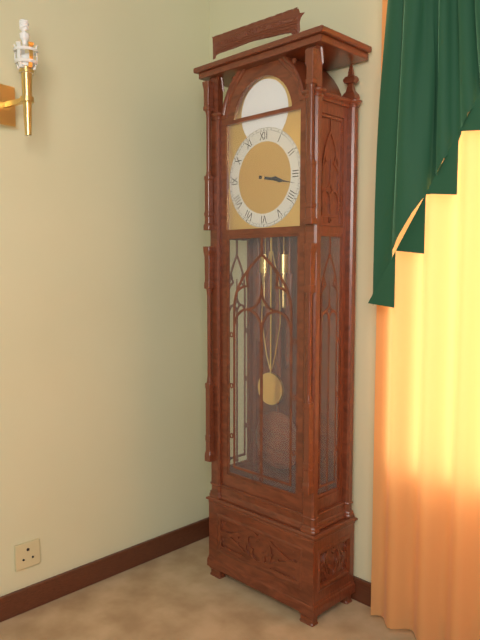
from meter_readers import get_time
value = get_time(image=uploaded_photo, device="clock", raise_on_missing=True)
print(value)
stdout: 3:17
